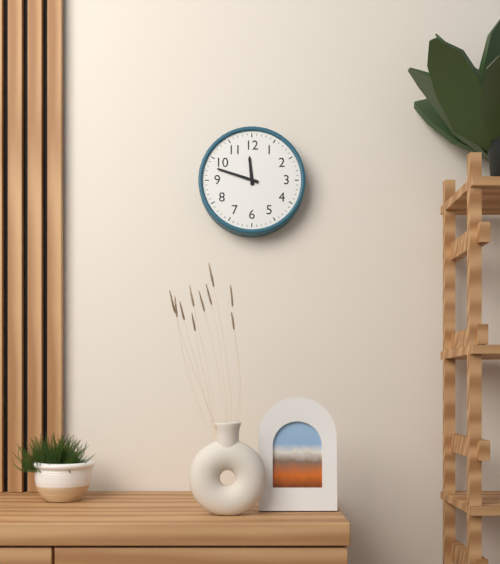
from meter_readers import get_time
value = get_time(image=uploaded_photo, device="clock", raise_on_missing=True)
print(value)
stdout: 11:48
